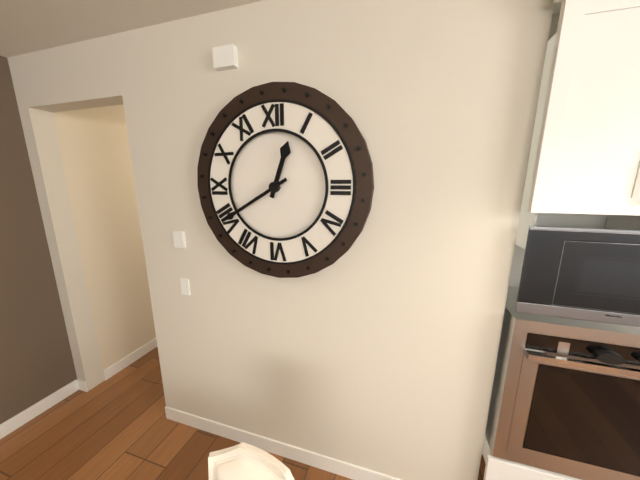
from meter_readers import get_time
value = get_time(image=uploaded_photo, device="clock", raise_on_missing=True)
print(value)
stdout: 12:40
